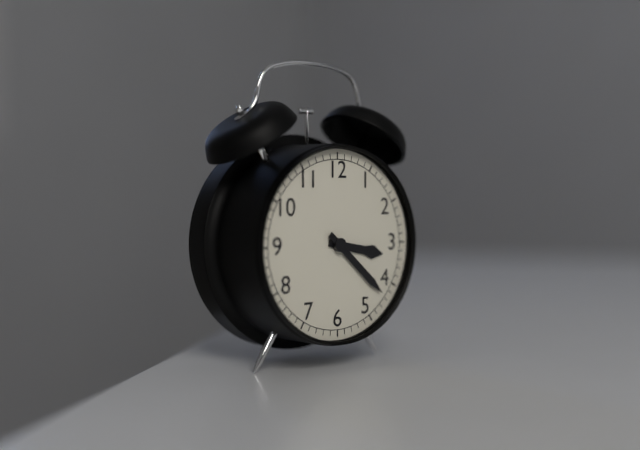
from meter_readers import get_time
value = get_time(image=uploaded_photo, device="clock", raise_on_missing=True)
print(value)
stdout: 3:22
